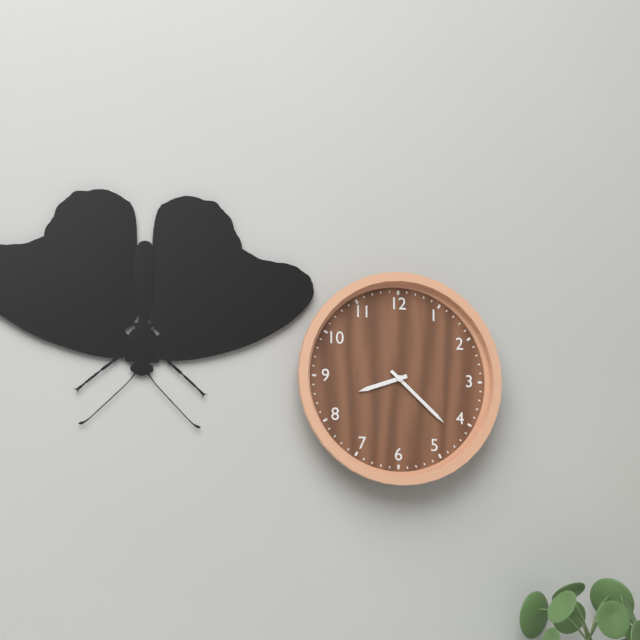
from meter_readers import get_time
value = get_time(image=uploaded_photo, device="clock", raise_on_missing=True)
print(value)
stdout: 8:22
